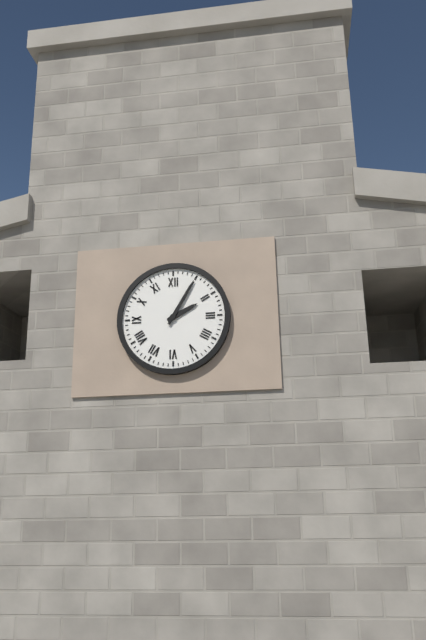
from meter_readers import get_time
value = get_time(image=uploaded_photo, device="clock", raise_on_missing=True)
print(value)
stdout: 2:05
